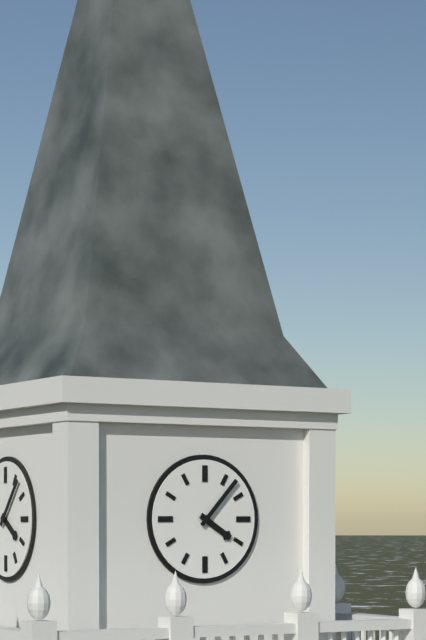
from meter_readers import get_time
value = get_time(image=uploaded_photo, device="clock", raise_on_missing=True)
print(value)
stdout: 4:07
